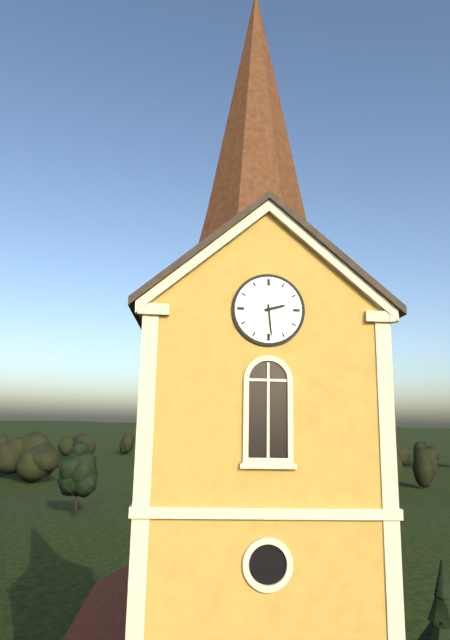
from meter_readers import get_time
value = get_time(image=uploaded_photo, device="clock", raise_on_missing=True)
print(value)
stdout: 2:29
